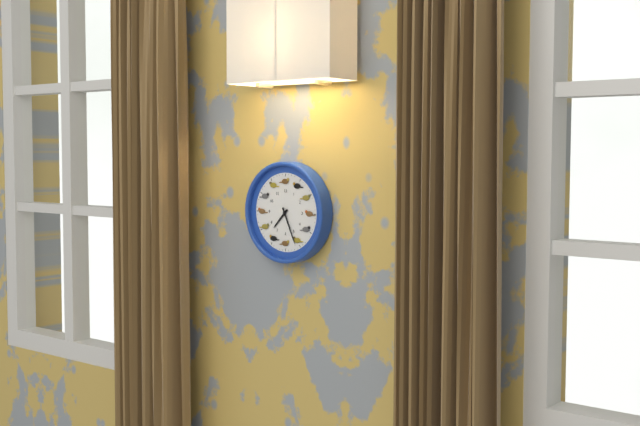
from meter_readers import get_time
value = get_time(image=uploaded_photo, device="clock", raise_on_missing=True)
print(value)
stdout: 7:26
